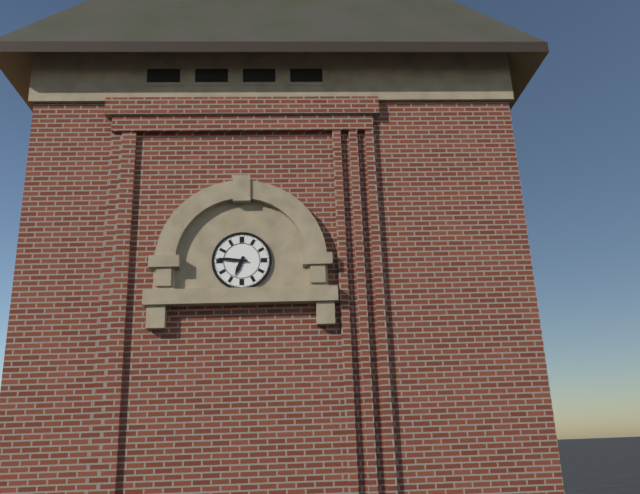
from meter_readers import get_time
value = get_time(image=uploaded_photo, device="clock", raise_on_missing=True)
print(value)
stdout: 6:46
